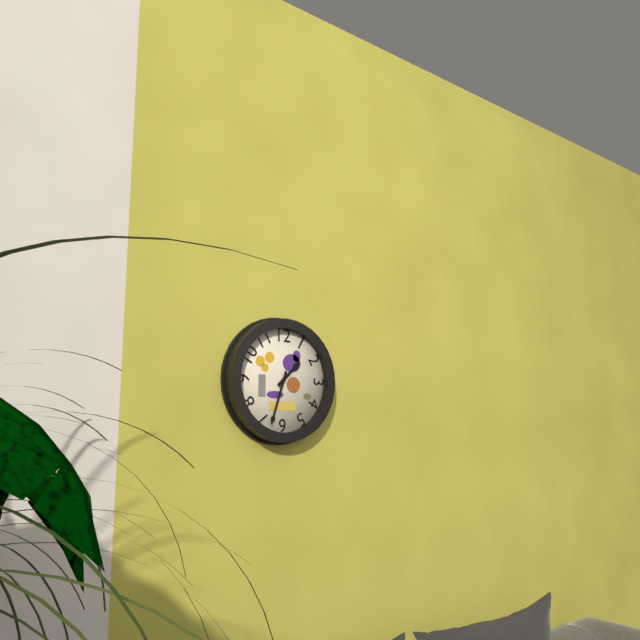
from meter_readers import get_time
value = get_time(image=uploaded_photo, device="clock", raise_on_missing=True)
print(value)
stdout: 1:33
